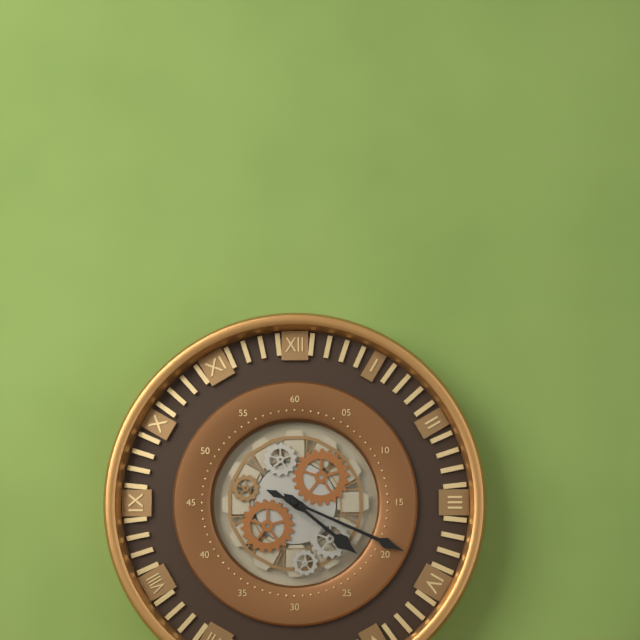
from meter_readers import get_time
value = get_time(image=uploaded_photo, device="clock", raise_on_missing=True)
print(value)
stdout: 4:19
